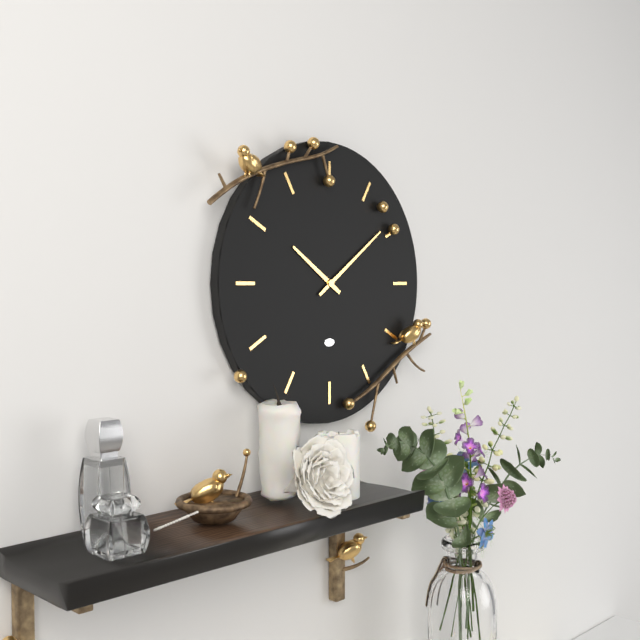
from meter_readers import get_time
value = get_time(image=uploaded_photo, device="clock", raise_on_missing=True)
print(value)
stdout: 10:09
